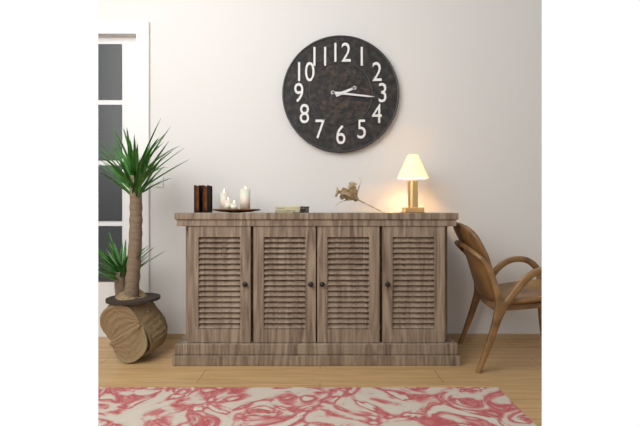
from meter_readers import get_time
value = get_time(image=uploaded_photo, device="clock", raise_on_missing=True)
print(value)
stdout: 2:16
